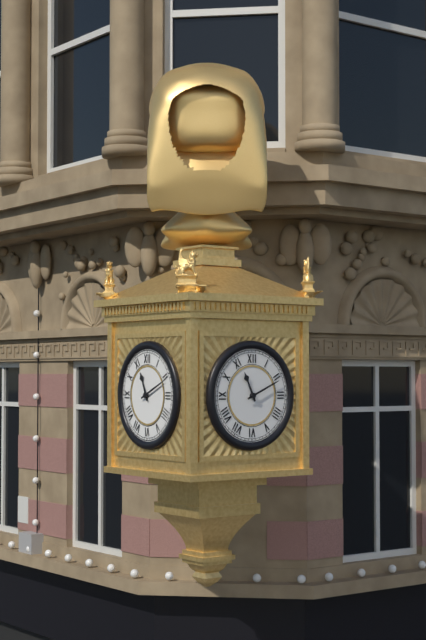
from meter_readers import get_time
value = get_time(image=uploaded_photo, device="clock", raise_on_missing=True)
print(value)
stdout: 11:11
